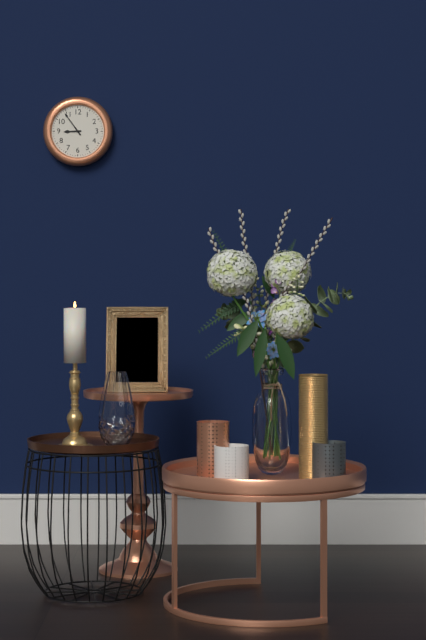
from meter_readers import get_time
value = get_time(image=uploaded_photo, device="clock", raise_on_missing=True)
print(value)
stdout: 8:54
